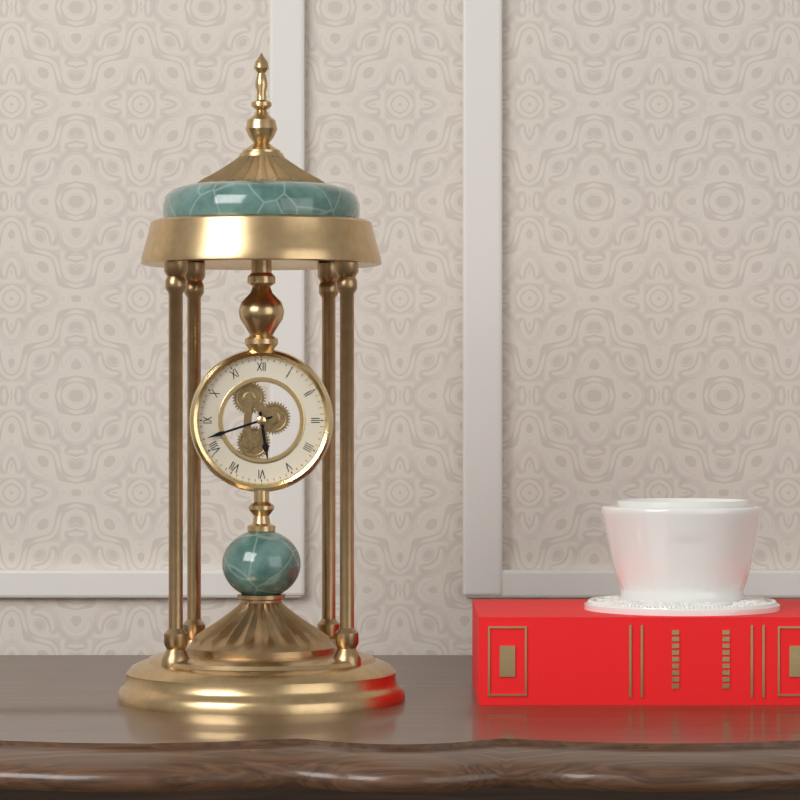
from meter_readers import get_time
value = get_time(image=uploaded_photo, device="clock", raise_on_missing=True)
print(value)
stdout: 5:42
